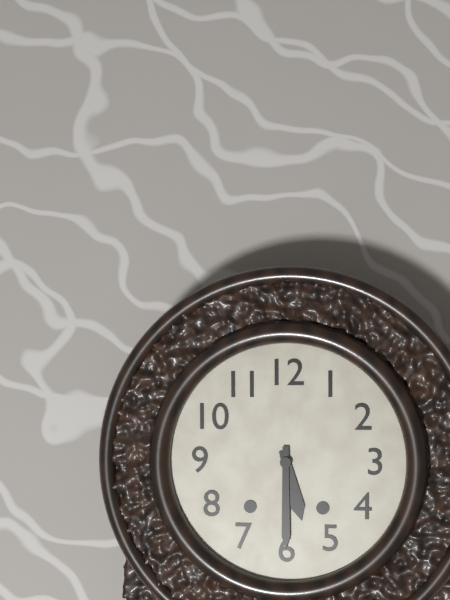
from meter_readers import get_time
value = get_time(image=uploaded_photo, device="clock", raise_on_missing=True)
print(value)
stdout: 5:30
